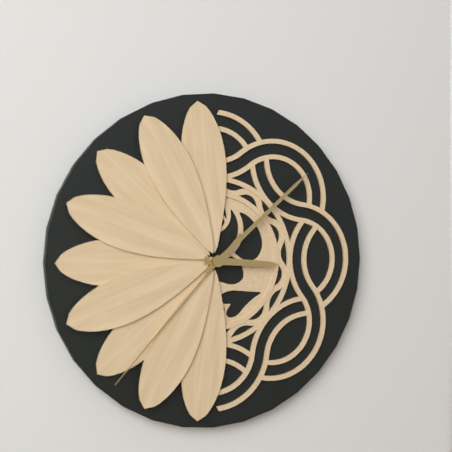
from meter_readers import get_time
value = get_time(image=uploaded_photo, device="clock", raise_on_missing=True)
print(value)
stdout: 3:08:37
